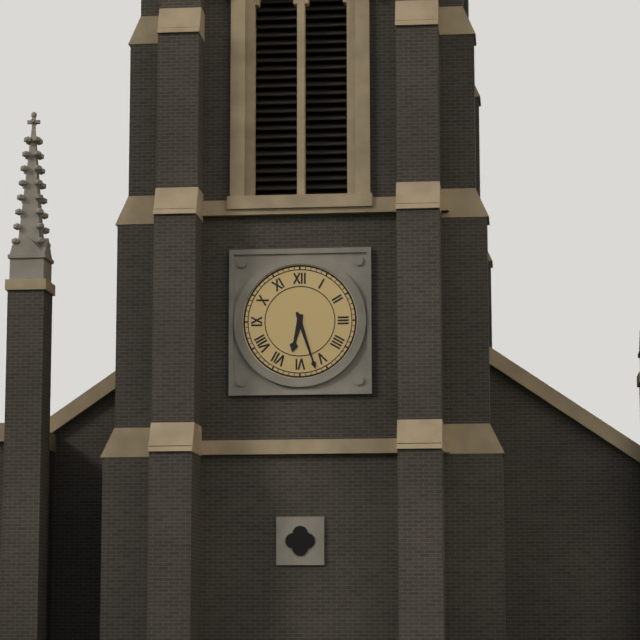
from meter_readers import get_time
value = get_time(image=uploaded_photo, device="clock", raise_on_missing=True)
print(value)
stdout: 6:27
